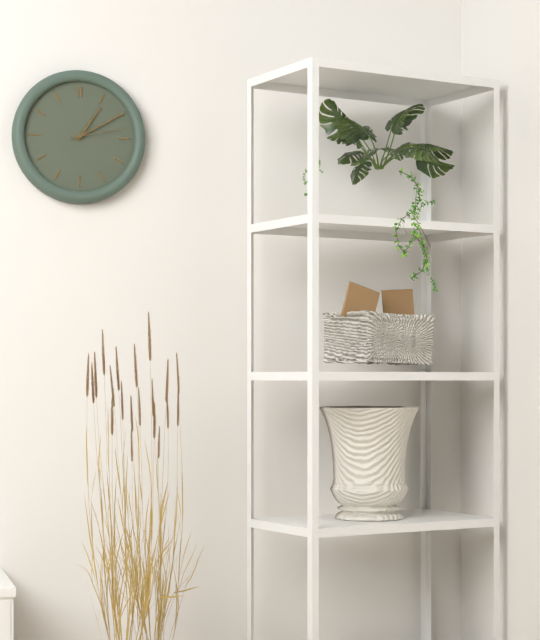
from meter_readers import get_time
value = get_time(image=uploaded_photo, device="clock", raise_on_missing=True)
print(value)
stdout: 1:10:13
